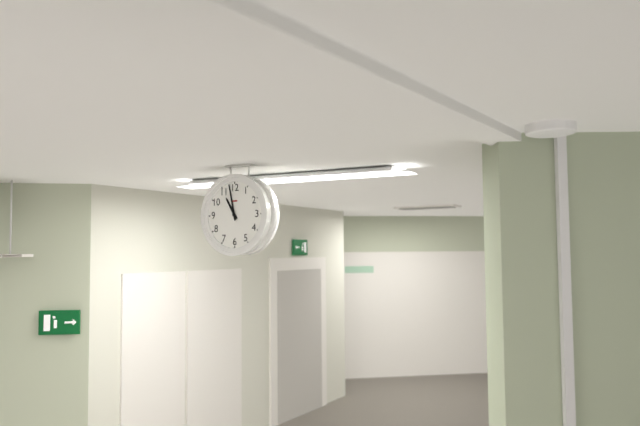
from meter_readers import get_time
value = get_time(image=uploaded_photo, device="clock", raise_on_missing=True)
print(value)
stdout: 10:58
